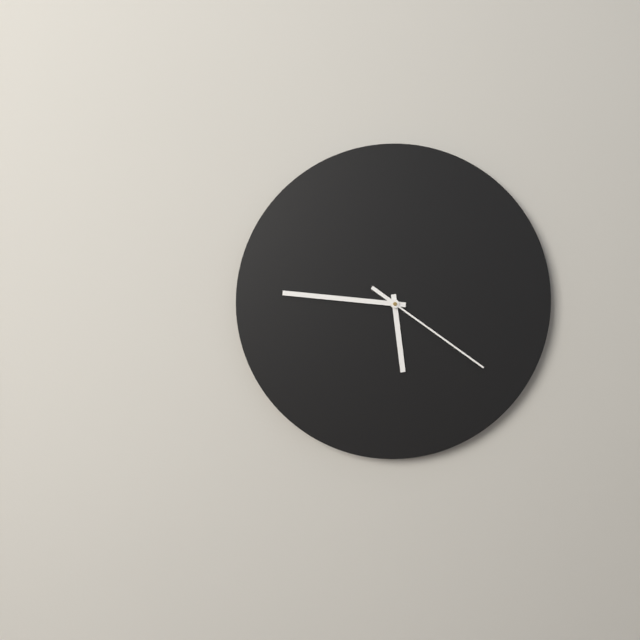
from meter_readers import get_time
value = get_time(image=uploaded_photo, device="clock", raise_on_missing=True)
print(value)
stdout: 5:46:21
